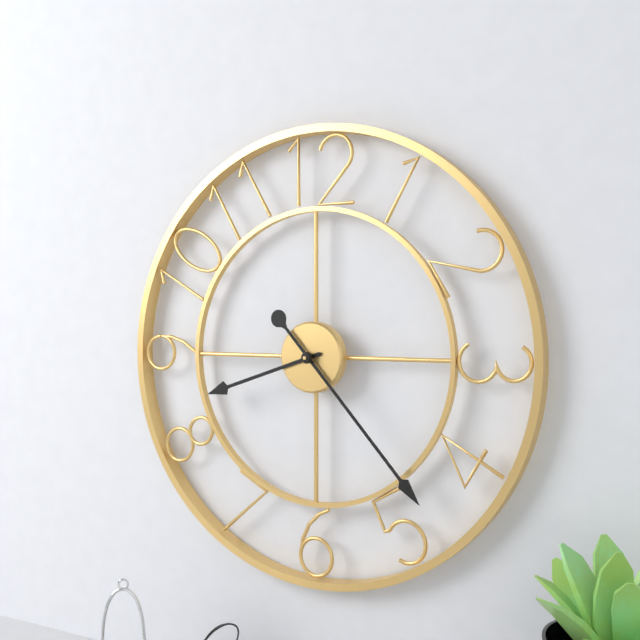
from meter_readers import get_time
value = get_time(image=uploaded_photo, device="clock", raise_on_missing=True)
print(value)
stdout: 8:23
